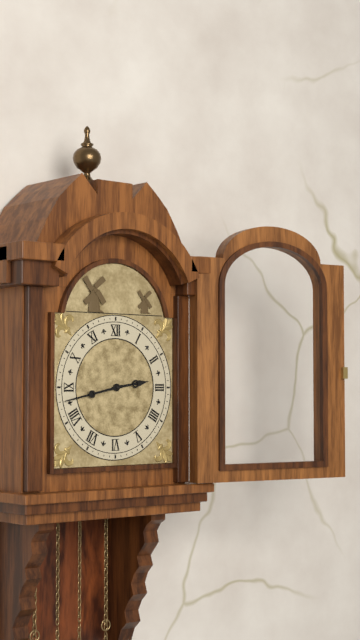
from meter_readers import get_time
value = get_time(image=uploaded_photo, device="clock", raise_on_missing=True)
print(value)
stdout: 2:43
